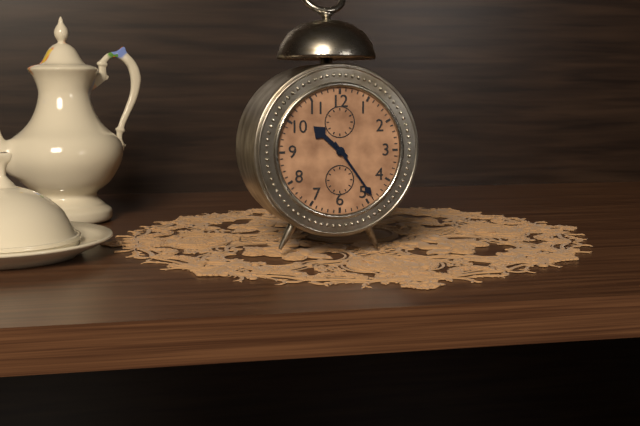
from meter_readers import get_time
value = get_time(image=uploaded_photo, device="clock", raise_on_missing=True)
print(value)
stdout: 10:24
